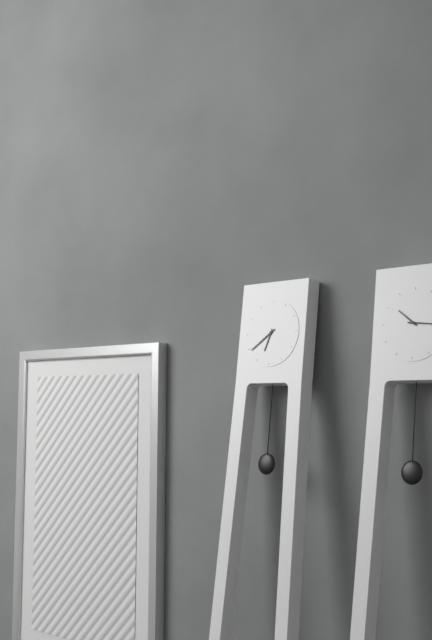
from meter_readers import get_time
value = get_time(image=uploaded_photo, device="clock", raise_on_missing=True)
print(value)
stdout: 6:39
